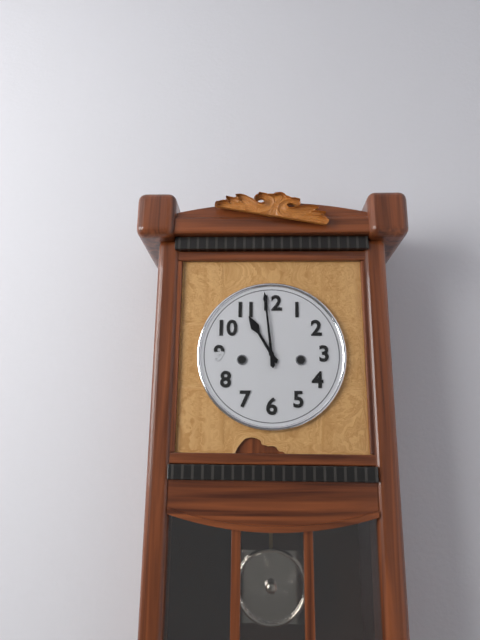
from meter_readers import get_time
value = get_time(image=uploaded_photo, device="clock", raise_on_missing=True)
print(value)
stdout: 10:59
